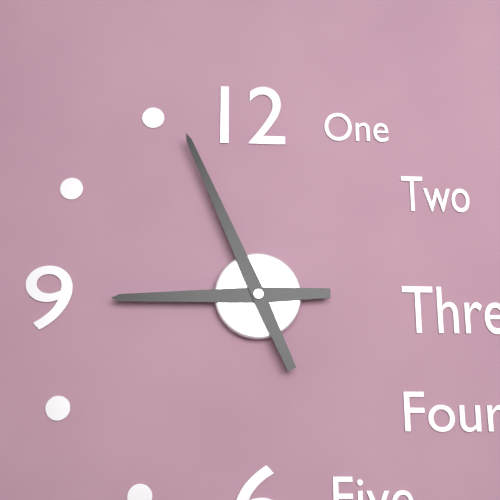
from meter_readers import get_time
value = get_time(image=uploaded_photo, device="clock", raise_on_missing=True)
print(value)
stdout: 8:56
